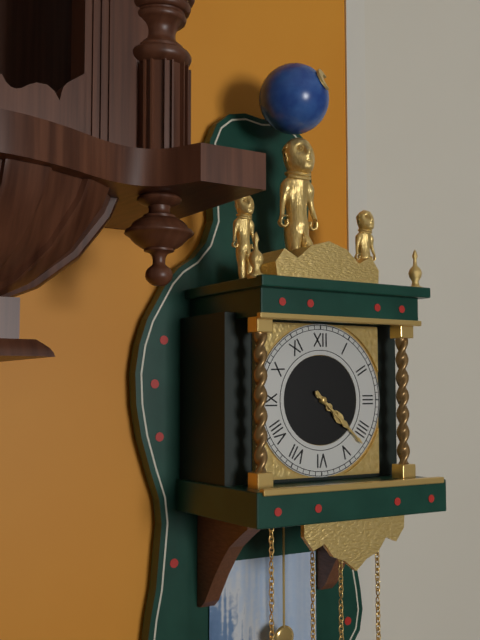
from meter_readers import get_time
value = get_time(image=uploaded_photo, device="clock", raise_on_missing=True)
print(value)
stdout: 4:22
